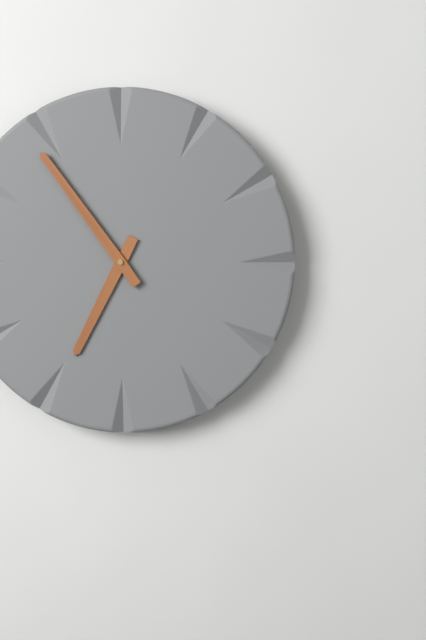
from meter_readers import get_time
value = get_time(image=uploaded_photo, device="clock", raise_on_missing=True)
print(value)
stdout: 6:54
